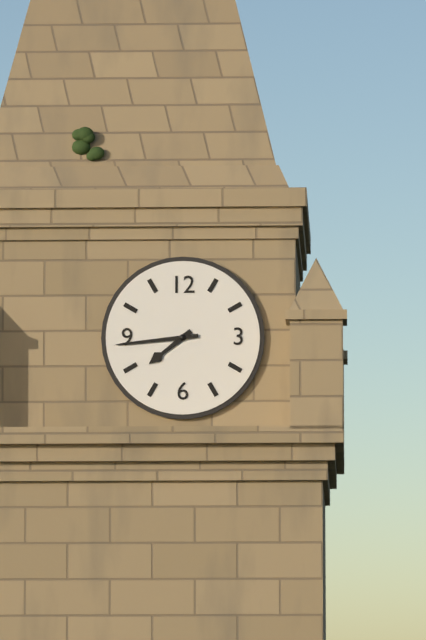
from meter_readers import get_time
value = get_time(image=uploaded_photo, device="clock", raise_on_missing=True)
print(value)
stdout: 7:44
